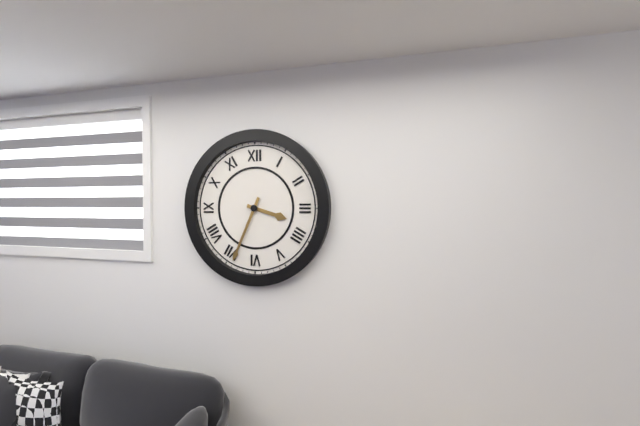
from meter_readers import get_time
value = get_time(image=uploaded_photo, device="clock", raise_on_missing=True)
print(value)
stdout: 3:34
